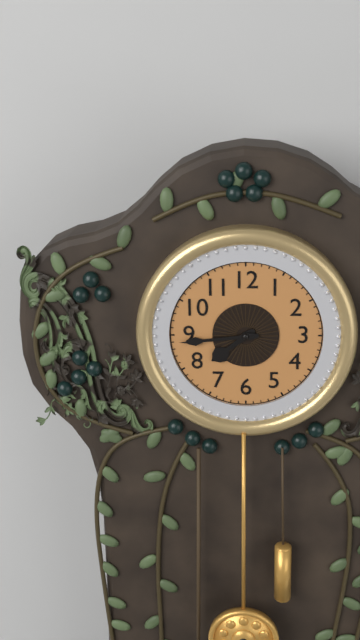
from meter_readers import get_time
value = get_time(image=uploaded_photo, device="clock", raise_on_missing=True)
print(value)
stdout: 7:44
